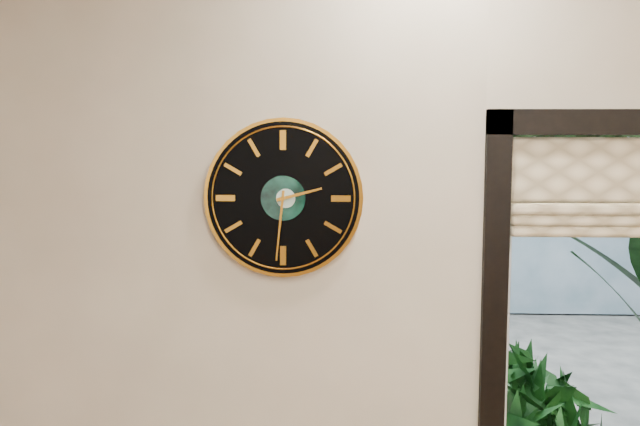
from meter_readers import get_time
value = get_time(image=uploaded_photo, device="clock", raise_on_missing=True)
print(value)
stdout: 2:31
